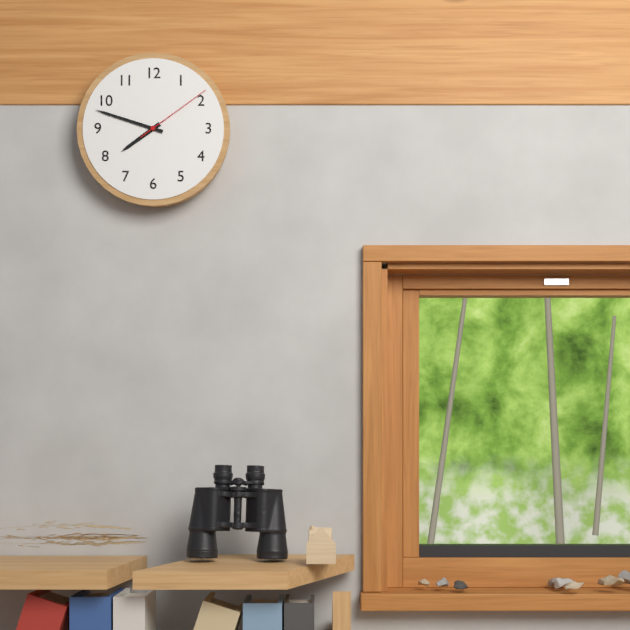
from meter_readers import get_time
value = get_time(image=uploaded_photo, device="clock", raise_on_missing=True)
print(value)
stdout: 7:48:09
